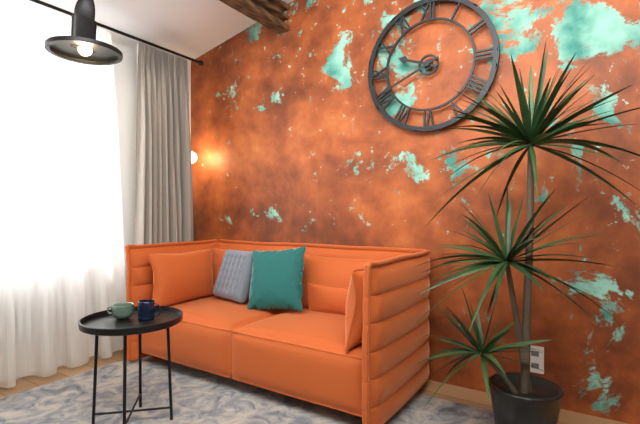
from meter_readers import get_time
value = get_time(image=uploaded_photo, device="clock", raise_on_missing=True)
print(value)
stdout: 9:41
